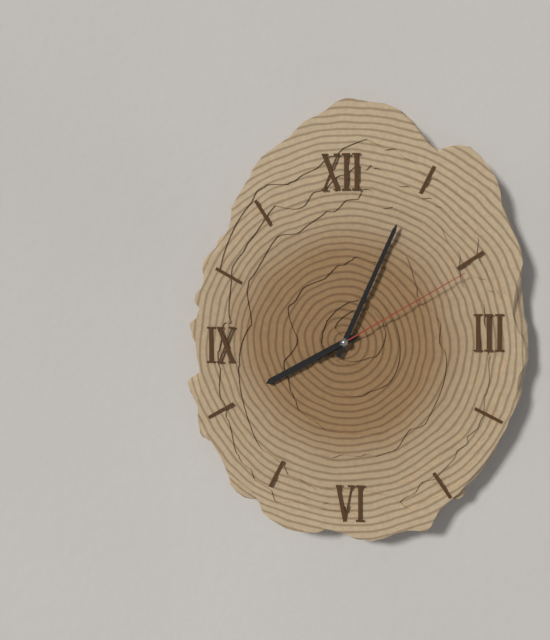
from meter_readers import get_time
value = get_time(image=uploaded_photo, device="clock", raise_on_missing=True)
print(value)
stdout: 8:04:10
